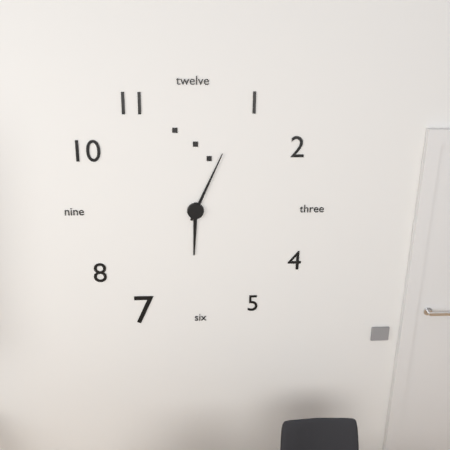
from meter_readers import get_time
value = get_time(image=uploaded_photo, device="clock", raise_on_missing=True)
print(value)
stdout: 6:04
